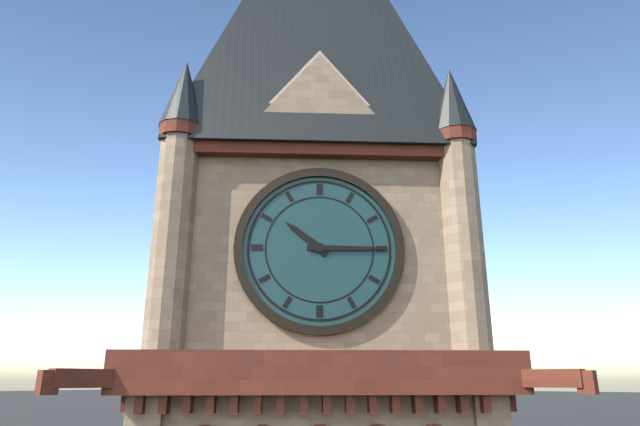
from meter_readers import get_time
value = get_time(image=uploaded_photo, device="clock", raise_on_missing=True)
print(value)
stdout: 10:15
